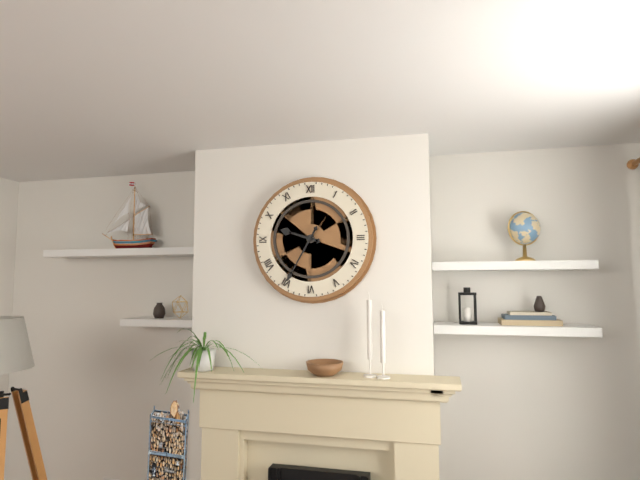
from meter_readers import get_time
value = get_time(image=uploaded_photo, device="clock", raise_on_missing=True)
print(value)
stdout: 9:35
